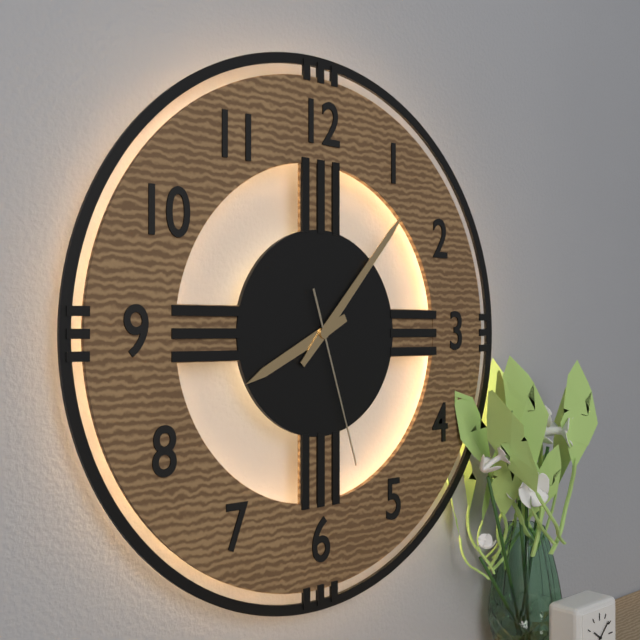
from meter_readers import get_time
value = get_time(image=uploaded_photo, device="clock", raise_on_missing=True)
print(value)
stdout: 8:07:27
